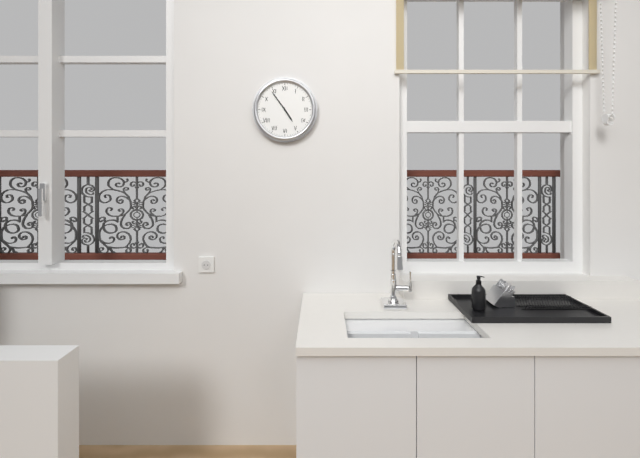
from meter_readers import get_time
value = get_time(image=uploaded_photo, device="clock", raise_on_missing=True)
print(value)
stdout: 4:54
